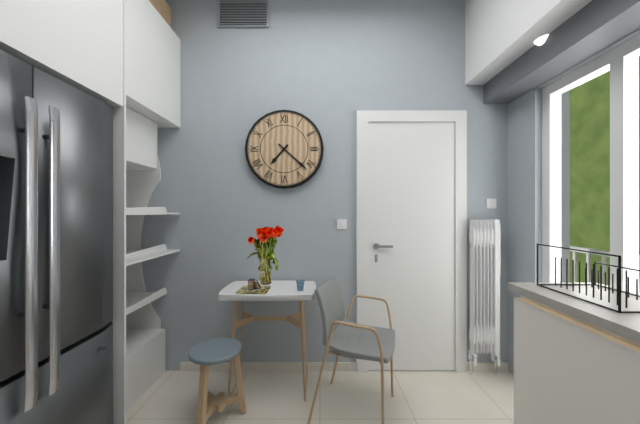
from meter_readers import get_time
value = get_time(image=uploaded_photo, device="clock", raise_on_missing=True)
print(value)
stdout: 7:22
